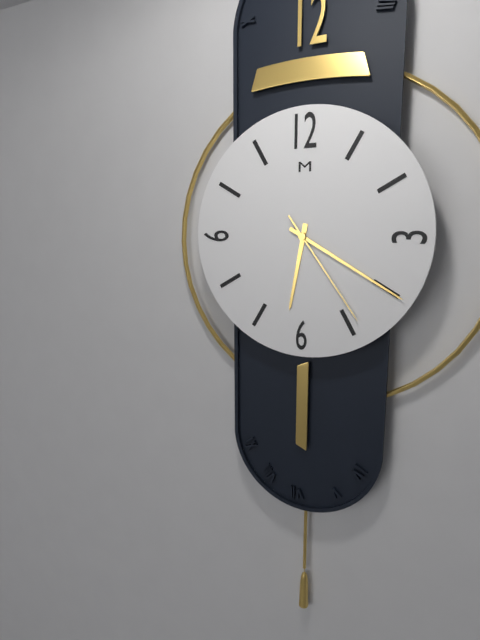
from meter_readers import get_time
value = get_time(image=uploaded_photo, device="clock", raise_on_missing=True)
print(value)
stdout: 6:20:24
